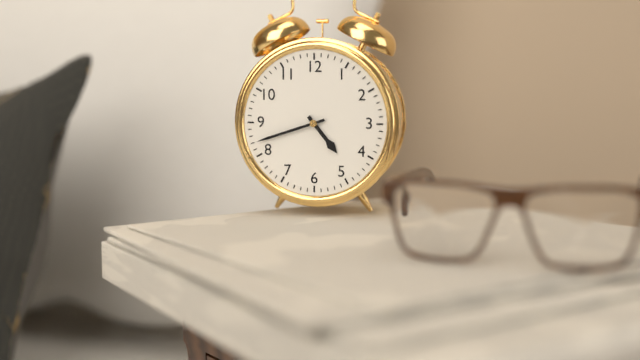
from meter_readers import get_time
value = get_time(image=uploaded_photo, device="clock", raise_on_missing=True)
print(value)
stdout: 4:42
